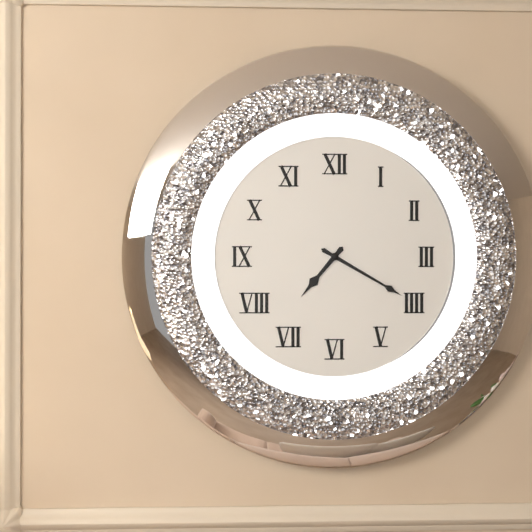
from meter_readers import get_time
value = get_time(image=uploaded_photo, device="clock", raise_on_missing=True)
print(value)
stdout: 7:20
